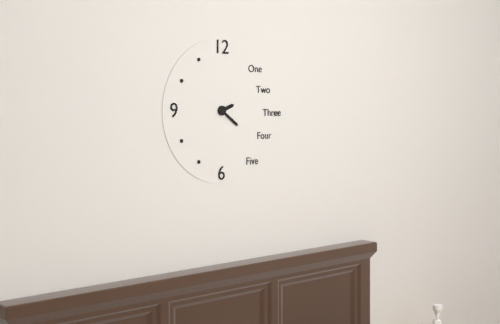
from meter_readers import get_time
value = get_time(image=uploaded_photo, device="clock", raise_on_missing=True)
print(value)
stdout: 2:21
